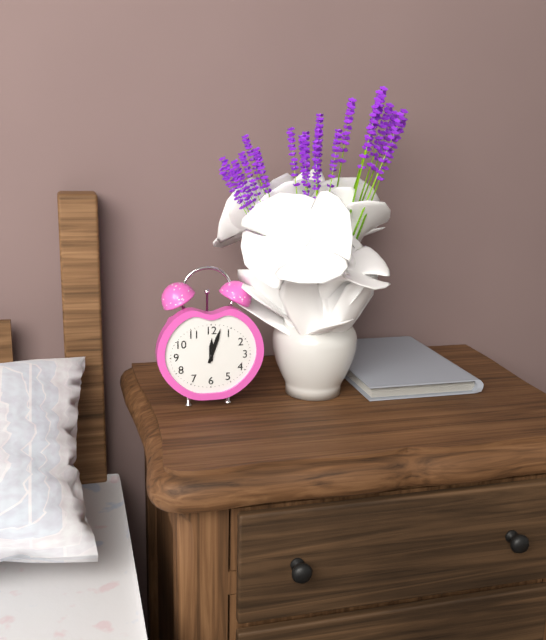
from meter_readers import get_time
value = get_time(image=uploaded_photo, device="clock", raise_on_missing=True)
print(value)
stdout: 12:03
